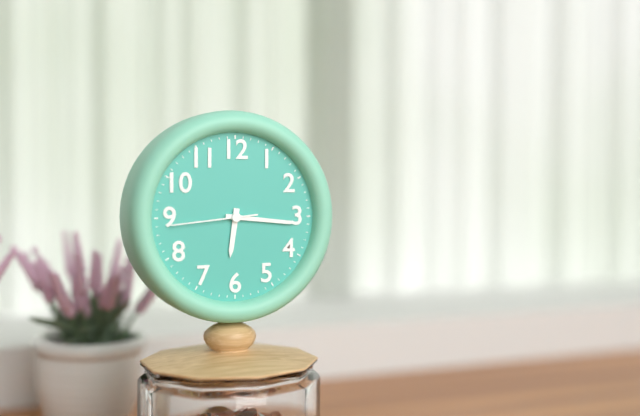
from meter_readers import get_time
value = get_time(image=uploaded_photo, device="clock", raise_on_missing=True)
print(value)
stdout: 6:16:44
